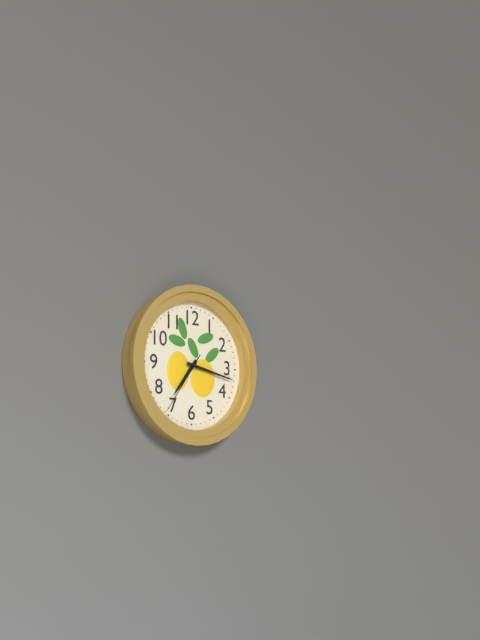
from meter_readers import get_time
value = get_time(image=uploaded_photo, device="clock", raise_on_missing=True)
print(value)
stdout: 7:17:36
